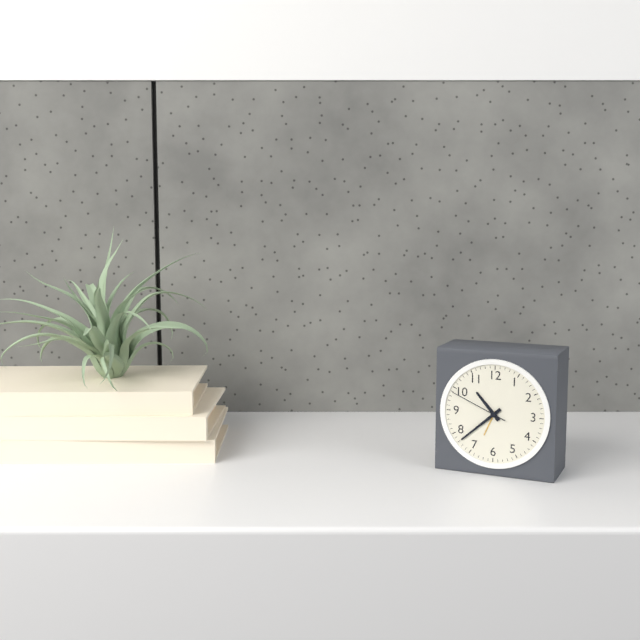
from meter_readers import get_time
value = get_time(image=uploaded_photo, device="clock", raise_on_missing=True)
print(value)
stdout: 10:38:49
